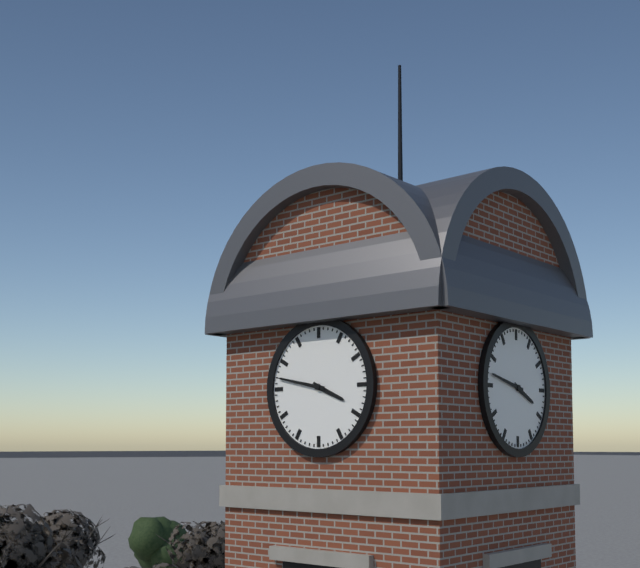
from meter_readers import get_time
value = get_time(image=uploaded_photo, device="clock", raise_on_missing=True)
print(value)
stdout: 3:47
